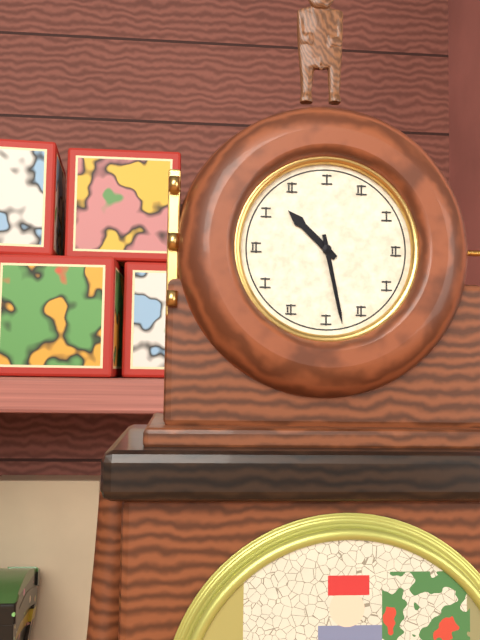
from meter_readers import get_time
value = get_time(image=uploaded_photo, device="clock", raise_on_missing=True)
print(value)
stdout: 10:28
